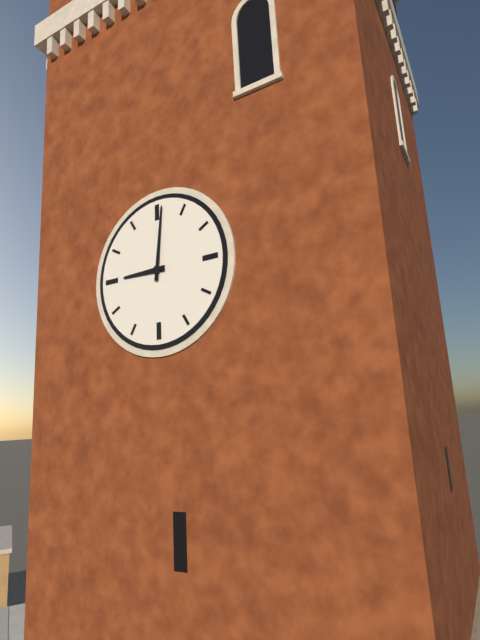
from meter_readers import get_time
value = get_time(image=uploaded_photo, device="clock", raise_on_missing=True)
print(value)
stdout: 9:01
